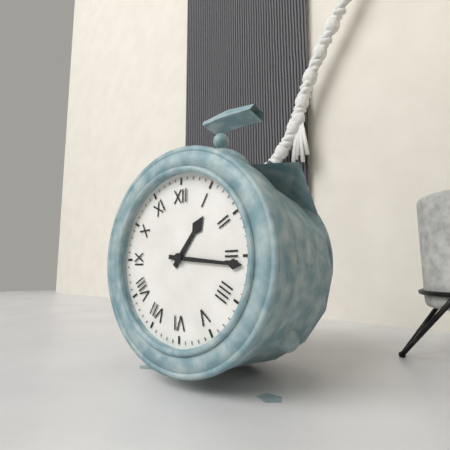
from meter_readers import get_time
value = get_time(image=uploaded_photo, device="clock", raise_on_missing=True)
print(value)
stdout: 1:16
